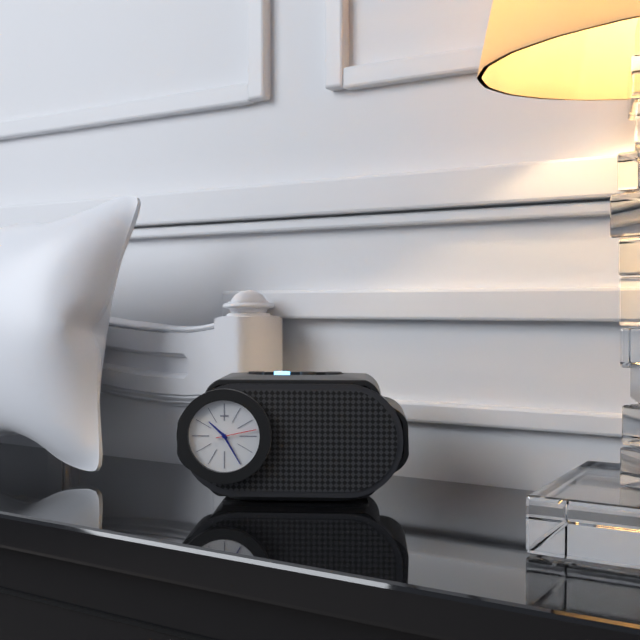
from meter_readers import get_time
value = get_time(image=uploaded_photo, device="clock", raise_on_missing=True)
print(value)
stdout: 10:25
